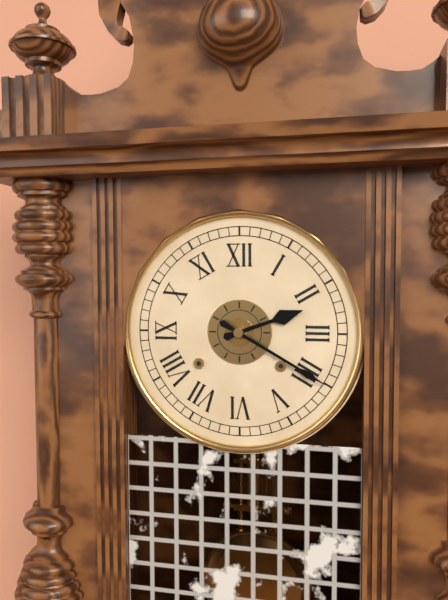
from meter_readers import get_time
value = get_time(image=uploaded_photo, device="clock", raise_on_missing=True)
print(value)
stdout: 2:20
